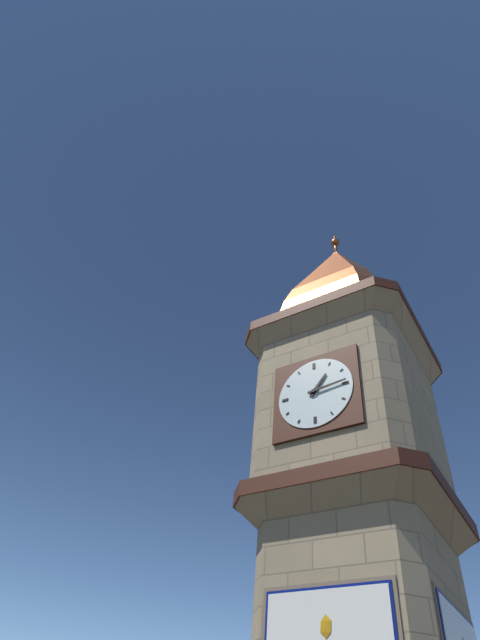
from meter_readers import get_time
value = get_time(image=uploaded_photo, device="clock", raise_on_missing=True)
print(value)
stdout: 1:14
